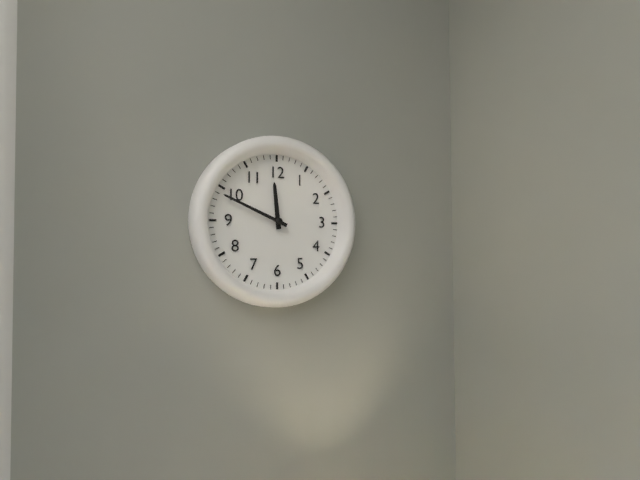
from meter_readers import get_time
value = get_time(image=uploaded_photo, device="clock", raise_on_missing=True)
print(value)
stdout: 11:49
